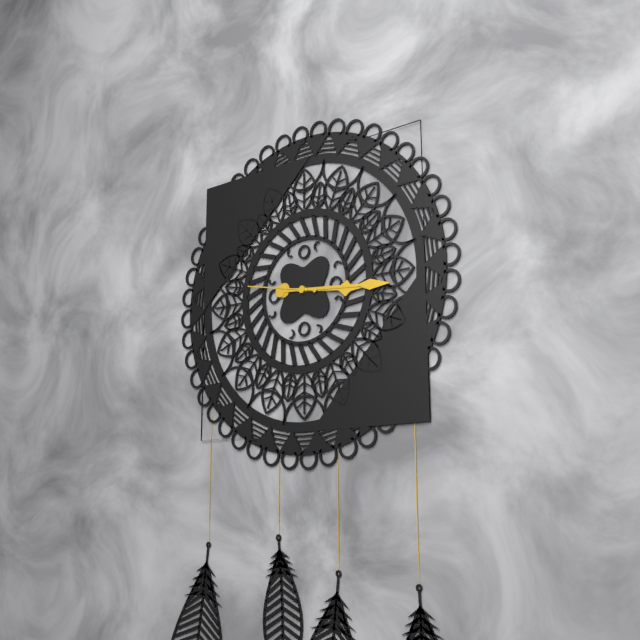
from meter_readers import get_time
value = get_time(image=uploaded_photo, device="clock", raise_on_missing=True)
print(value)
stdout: 3:16:47
